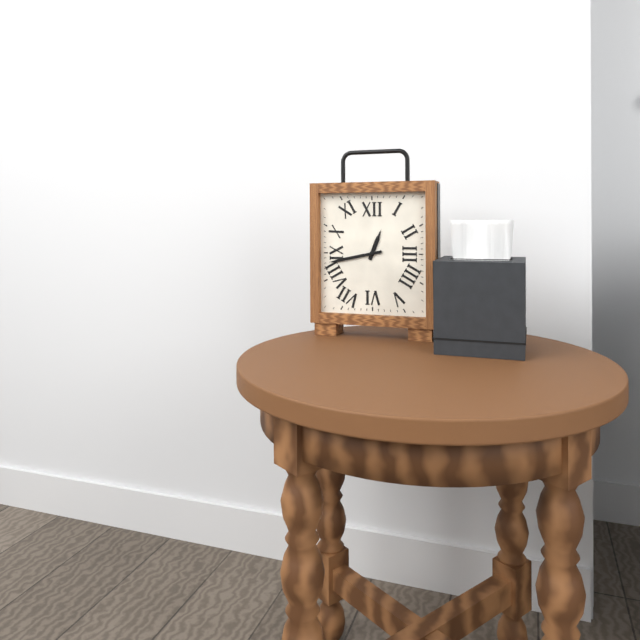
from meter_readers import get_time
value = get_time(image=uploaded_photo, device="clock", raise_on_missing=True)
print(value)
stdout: 12:43
